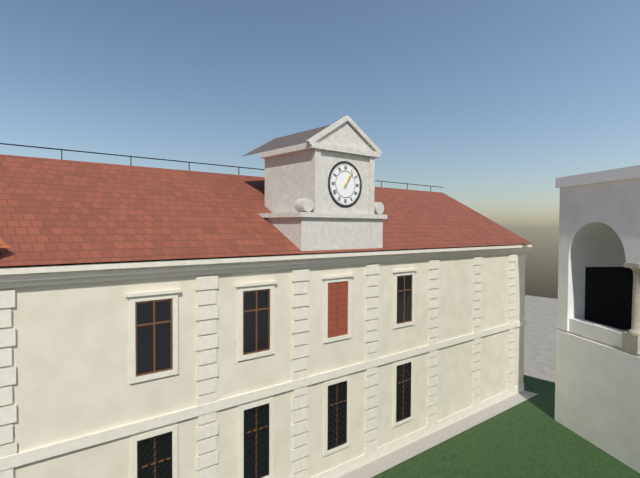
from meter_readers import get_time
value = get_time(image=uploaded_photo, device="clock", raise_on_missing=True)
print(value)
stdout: 1:06
